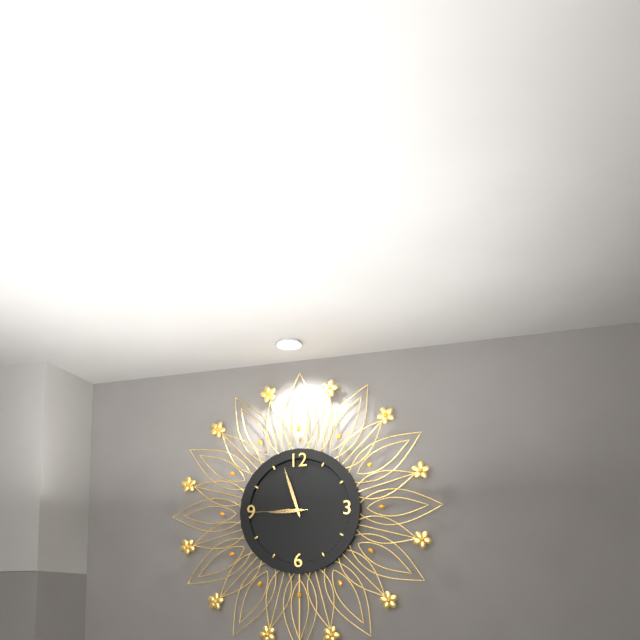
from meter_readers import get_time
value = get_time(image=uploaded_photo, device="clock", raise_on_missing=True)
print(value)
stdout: 8:57:45
